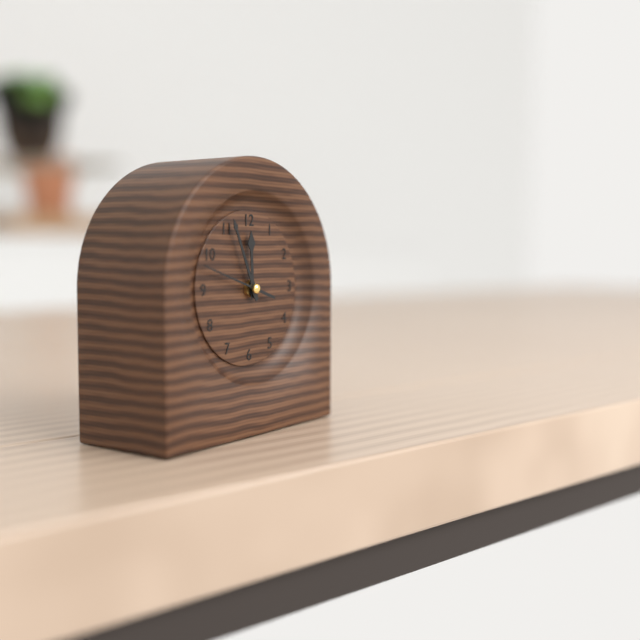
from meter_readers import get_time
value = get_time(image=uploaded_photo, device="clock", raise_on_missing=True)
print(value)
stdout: 11:56:48
